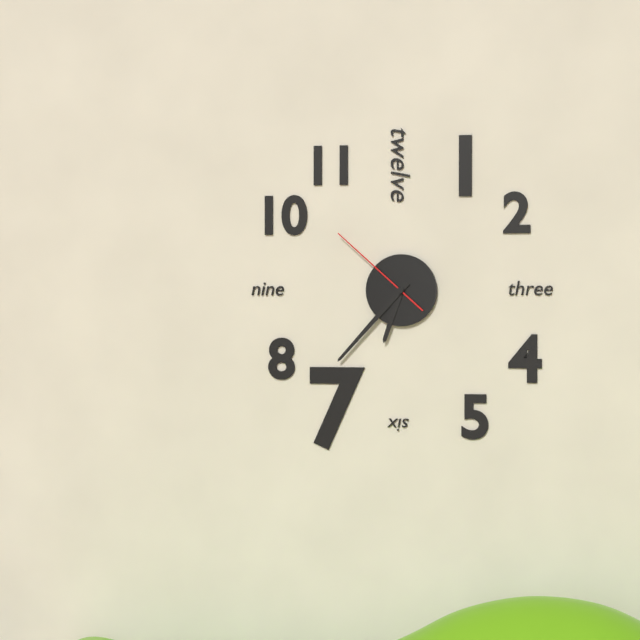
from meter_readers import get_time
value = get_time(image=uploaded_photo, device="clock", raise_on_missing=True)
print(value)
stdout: 6:37:52
